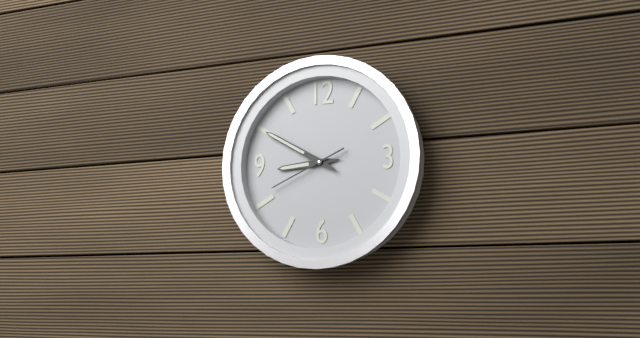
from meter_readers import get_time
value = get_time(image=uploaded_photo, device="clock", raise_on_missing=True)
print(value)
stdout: 8:50:41
